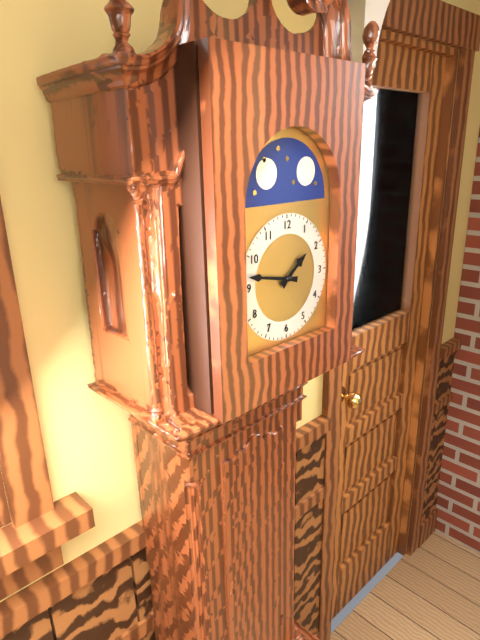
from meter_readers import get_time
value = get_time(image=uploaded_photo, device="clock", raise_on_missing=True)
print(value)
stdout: 1:47
